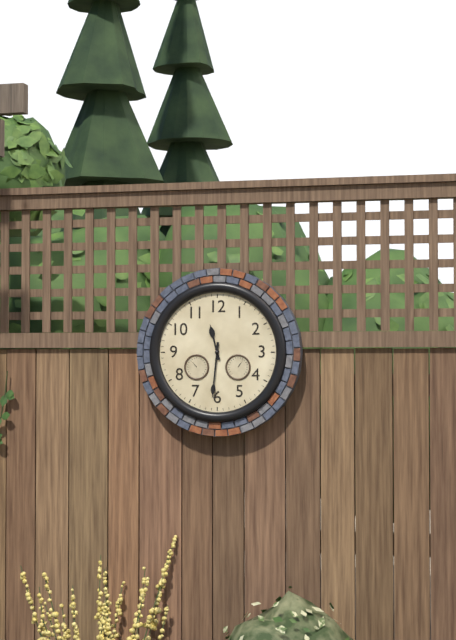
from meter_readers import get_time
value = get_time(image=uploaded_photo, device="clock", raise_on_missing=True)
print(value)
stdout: 11:31
